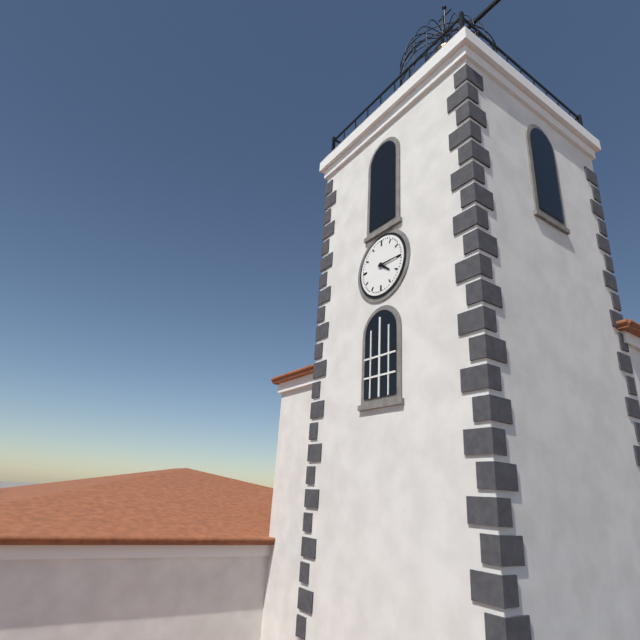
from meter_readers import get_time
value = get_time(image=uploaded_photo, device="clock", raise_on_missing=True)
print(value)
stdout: 4:15
